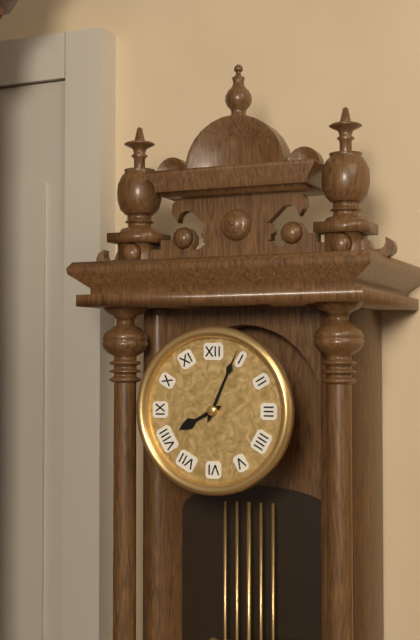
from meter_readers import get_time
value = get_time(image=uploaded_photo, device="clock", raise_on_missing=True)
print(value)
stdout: 8:04
